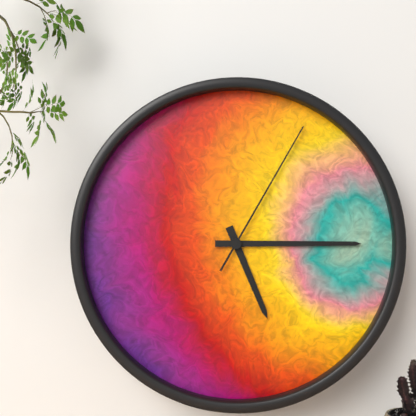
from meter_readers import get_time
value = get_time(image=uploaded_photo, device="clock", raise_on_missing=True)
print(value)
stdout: 5:15:05
